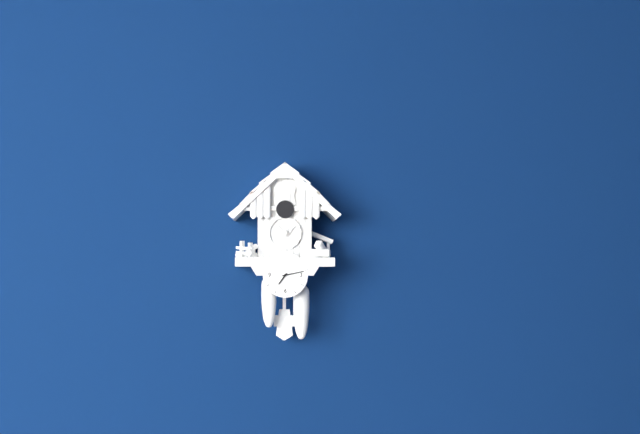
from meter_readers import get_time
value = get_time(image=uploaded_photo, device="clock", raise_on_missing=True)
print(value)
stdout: 7:13
